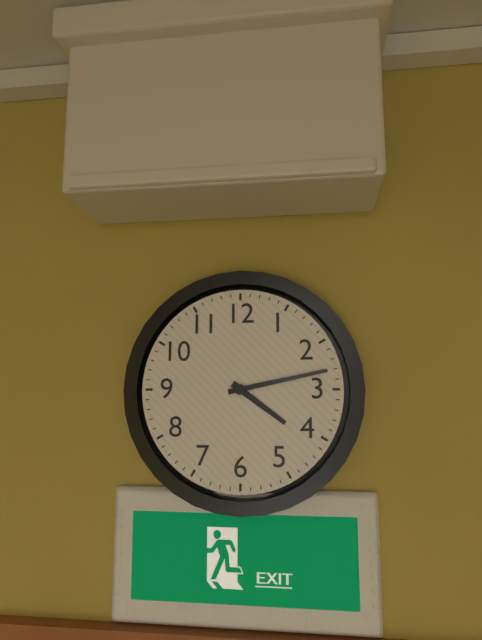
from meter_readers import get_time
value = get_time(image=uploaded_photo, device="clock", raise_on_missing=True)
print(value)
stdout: 4:13
